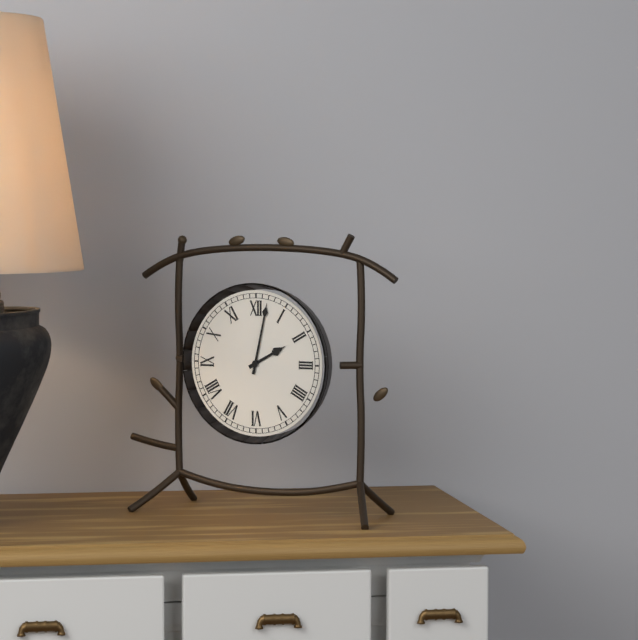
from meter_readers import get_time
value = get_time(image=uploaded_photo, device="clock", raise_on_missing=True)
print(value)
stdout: 2:02
